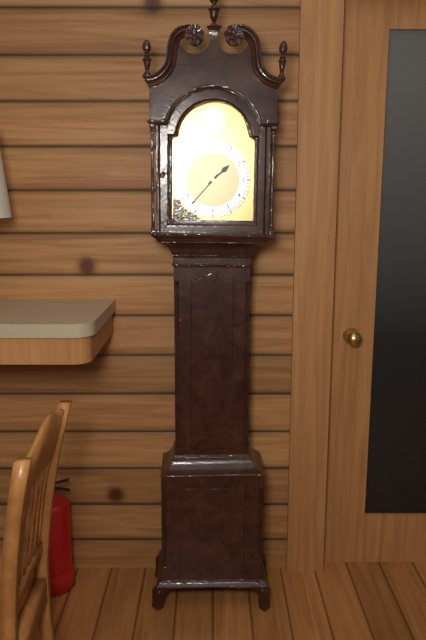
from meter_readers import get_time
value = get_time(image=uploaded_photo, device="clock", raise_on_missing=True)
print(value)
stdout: 1:37
